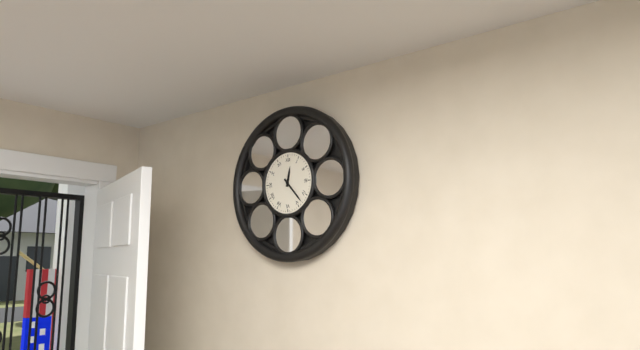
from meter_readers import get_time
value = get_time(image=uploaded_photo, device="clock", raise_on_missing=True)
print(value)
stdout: 12:23
